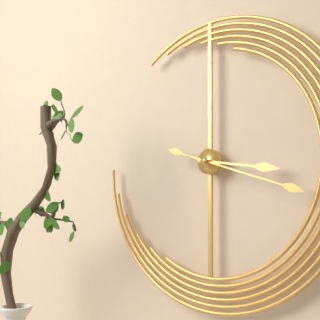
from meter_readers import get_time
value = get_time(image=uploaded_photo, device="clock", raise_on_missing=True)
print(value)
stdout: 3:18
